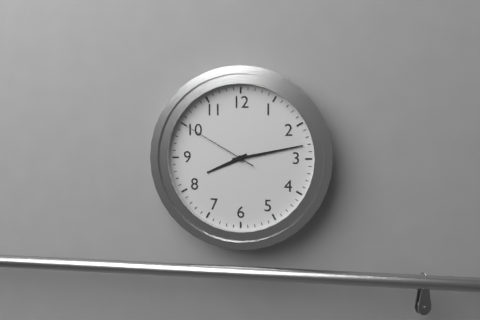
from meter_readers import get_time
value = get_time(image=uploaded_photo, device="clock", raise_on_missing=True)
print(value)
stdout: 8:13:50
